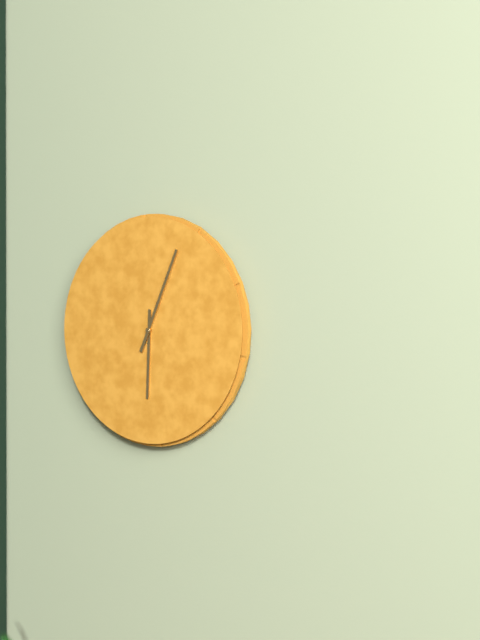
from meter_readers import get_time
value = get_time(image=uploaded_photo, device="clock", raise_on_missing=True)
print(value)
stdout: 6:04
